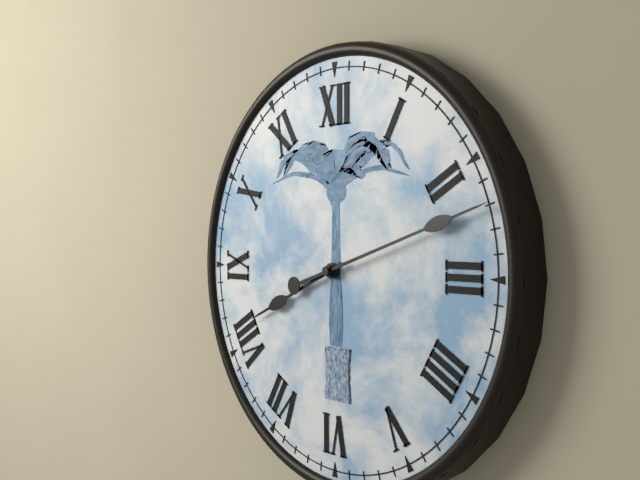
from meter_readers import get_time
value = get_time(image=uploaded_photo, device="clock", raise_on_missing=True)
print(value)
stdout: 8:12
